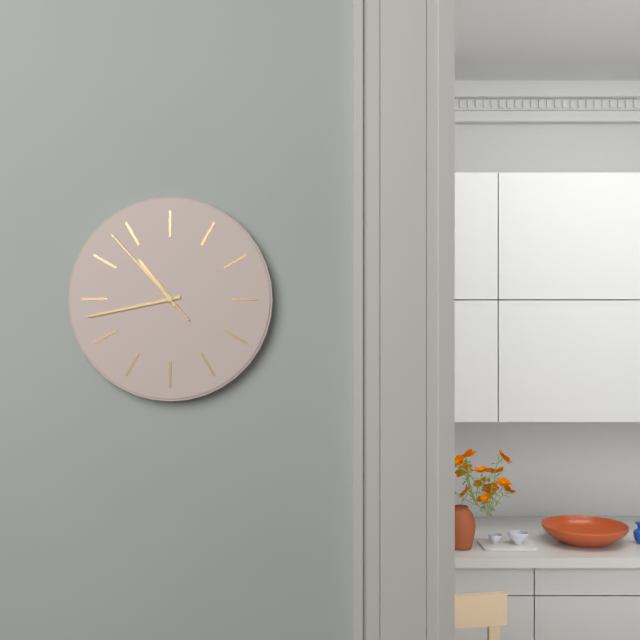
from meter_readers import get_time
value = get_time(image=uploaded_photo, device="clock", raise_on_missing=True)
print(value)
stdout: 10:43:53
